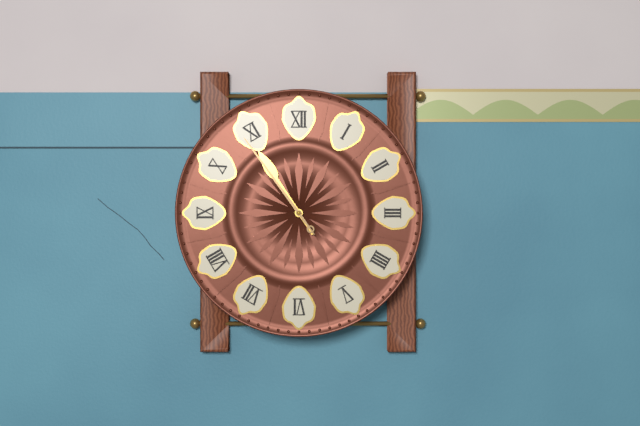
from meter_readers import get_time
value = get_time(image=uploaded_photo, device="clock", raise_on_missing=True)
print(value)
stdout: 10:54
